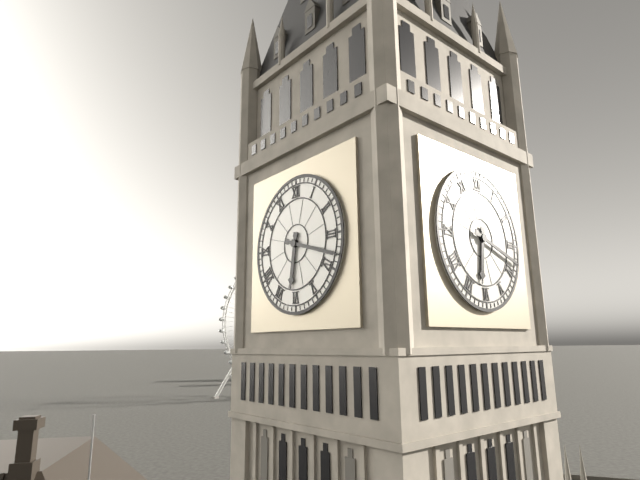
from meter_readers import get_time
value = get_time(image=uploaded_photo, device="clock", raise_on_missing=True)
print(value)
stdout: 6:18
